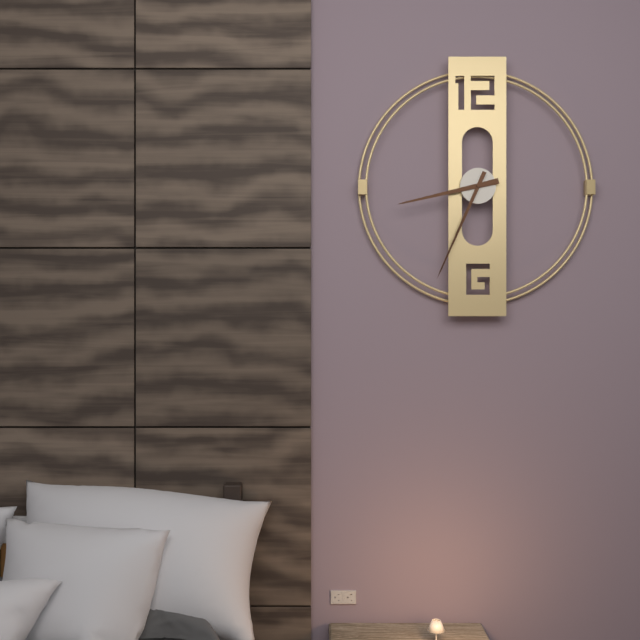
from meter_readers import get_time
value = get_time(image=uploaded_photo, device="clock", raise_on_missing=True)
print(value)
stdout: 8:34
